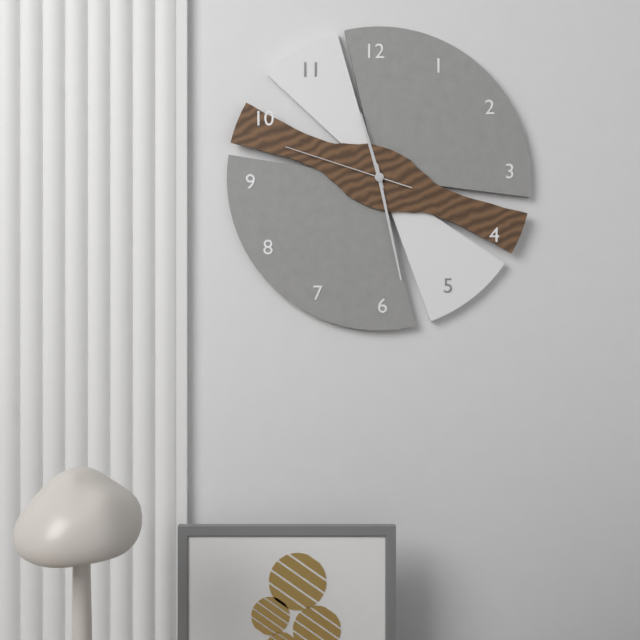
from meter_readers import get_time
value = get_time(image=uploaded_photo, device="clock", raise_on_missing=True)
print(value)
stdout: 11:28:48
